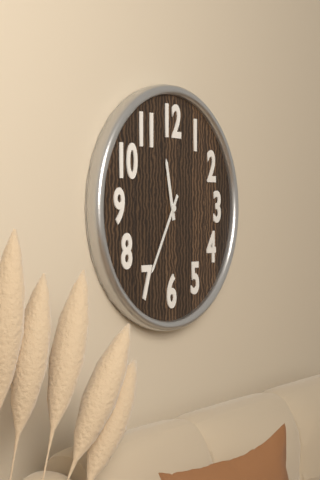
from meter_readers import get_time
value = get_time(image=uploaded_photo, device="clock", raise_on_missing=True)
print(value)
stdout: 11:35
